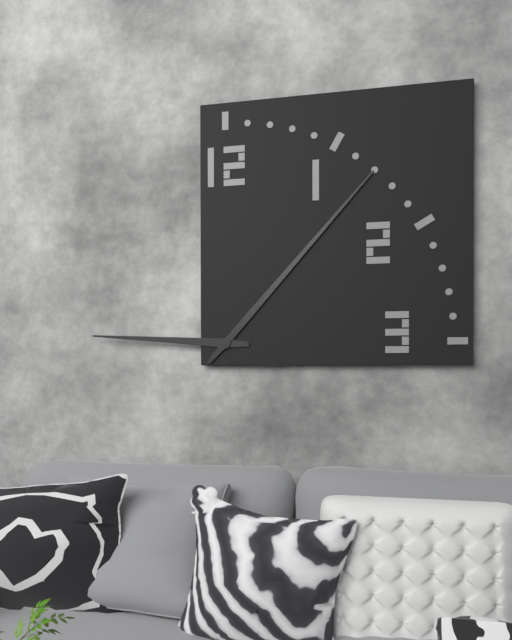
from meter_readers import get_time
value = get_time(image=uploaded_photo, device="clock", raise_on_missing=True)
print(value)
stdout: 9:07
